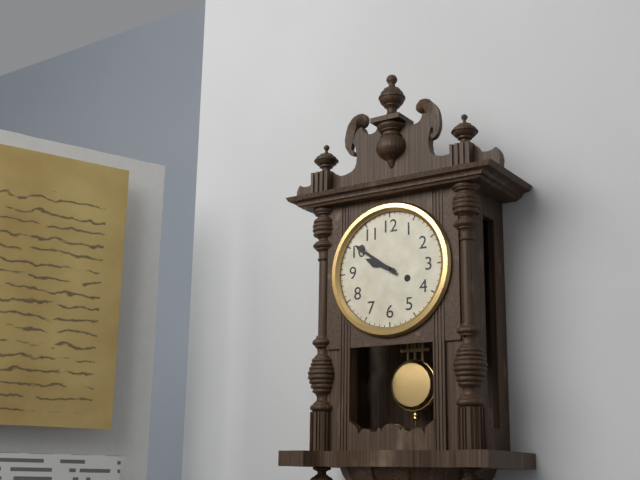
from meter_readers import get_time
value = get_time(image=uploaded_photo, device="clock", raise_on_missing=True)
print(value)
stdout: 9:51
